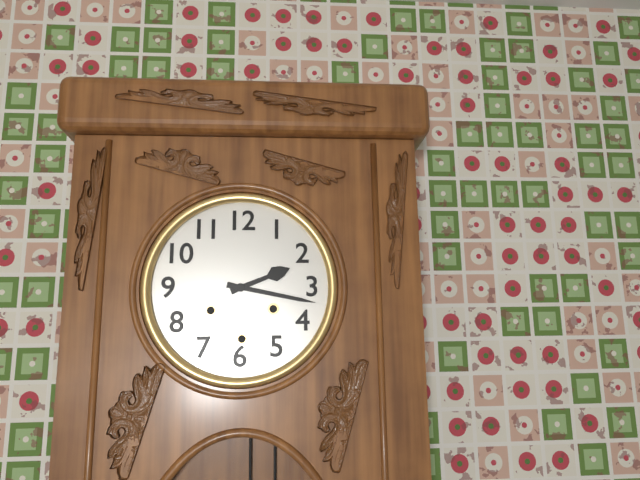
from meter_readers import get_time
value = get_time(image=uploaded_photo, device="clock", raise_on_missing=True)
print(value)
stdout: 2:17
